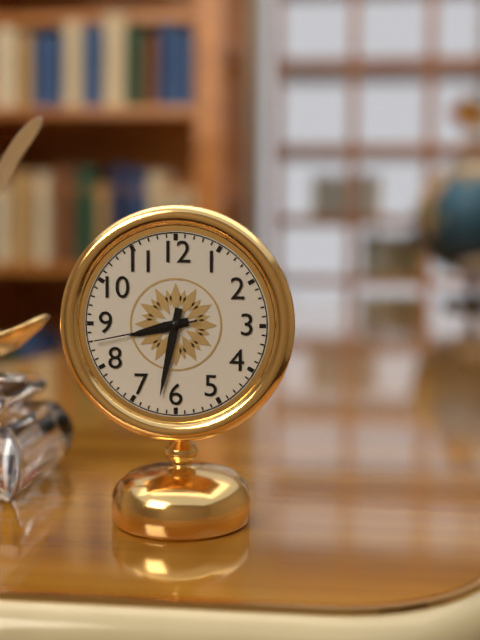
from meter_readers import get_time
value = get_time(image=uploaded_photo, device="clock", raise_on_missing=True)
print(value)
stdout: 8:32:43
